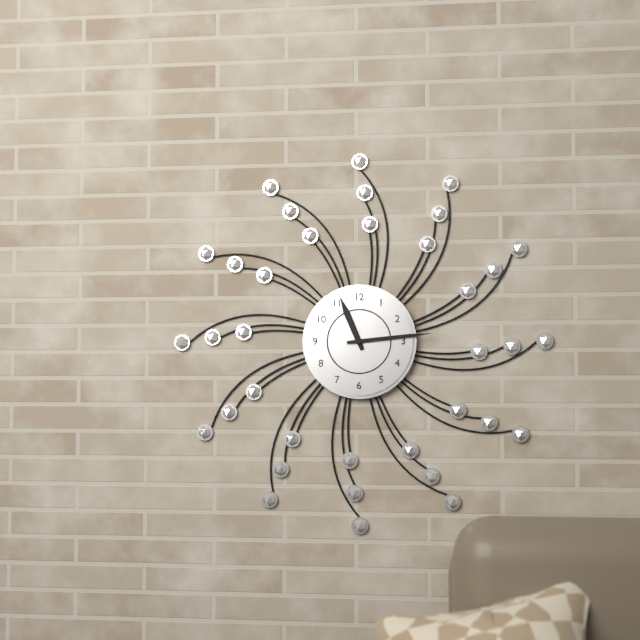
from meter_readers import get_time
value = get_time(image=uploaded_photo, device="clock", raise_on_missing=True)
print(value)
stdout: 11:14
